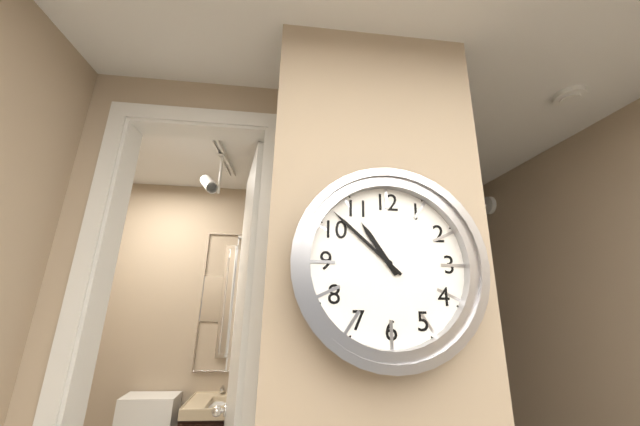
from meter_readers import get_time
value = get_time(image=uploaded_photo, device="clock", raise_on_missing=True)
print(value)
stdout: 10:52
